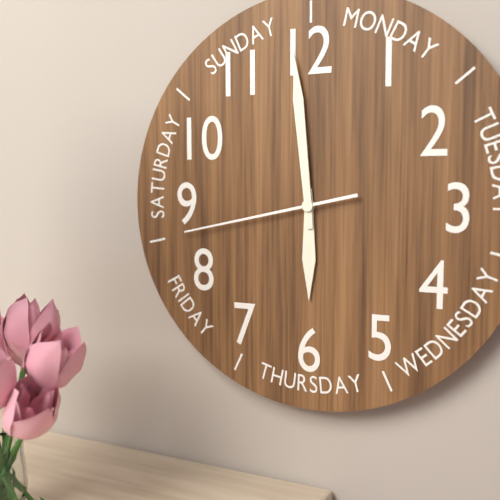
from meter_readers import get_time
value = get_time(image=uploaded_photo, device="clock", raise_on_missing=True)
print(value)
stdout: 5:59:43
